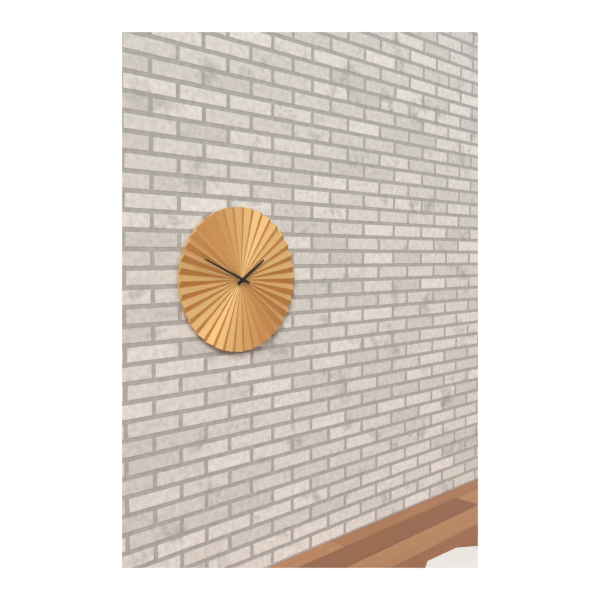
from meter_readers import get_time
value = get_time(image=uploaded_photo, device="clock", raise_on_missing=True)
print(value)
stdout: 1:49
